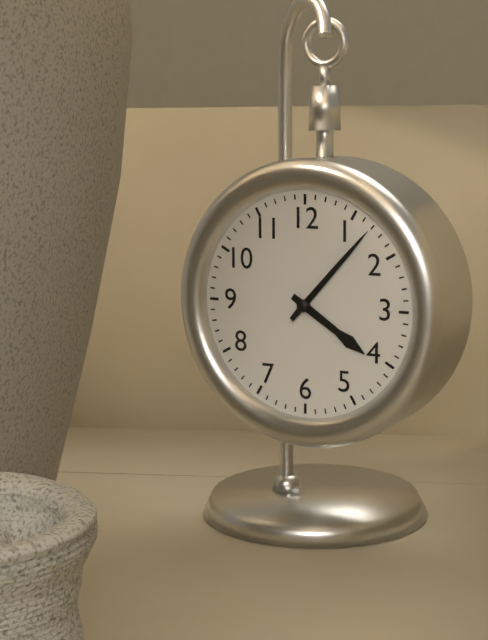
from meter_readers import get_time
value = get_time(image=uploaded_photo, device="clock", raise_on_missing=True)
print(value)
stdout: 4:07
